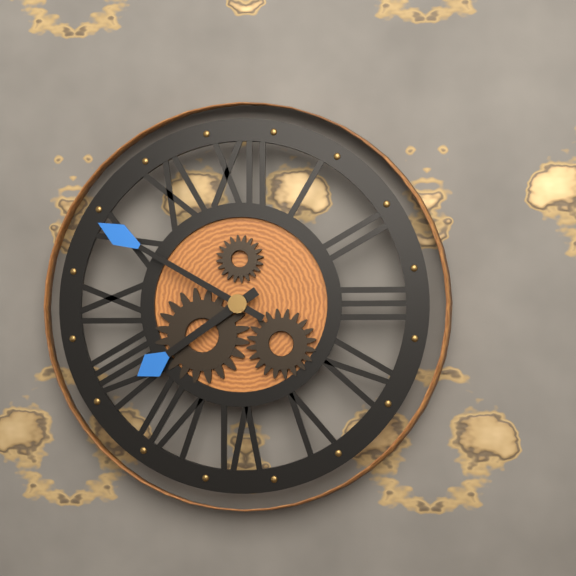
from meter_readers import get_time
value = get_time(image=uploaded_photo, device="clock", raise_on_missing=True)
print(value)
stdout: 7:50
